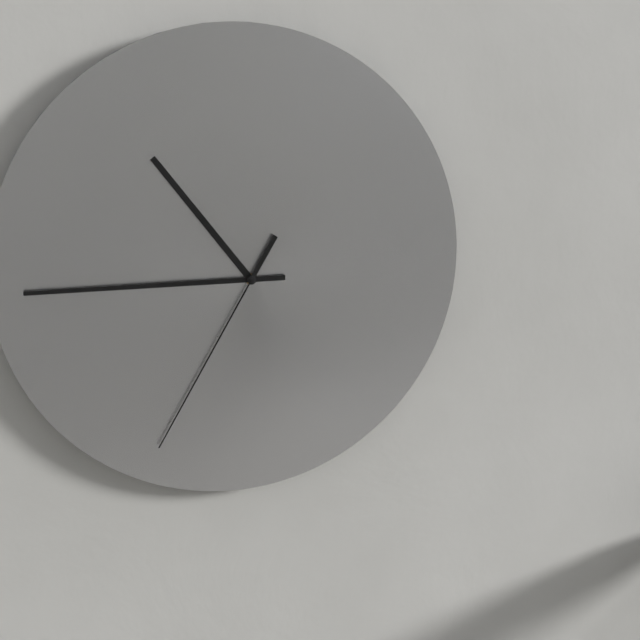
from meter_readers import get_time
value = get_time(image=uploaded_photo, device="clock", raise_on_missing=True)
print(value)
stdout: 10:45:35
